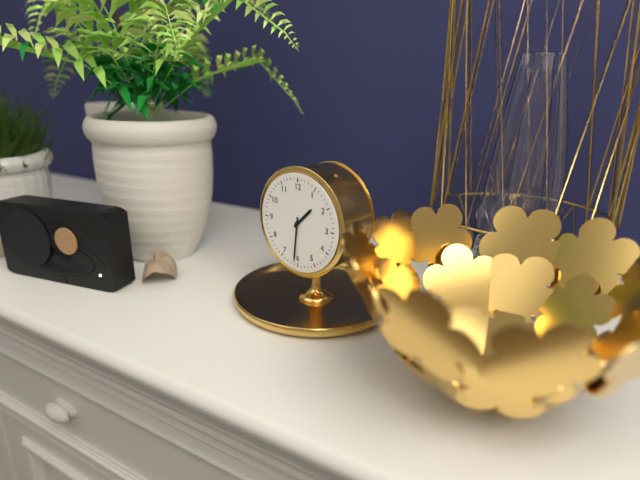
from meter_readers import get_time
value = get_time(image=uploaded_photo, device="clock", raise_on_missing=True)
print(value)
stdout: 1:31
